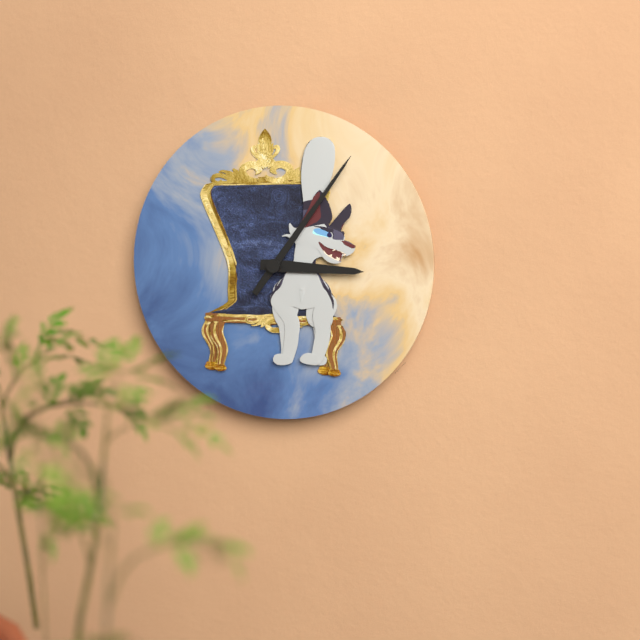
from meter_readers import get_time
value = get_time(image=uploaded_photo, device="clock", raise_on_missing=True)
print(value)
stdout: 3:06
